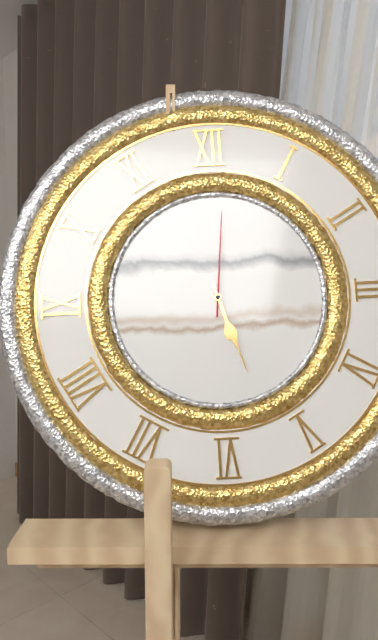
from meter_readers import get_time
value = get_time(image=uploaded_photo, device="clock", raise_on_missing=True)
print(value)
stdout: 5:27:01
